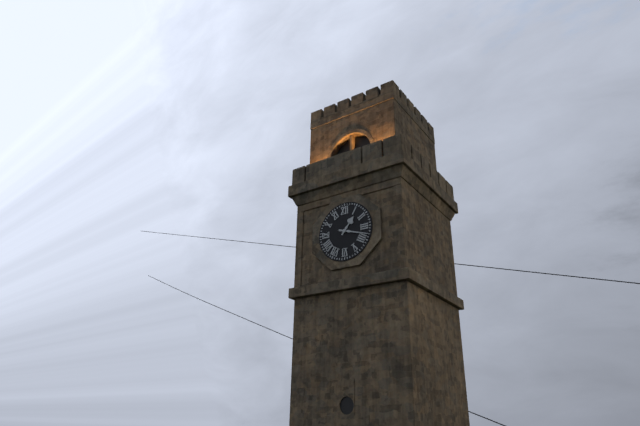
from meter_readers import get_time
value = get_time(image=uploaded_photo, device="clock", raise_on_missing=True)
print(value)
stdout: 1:18
